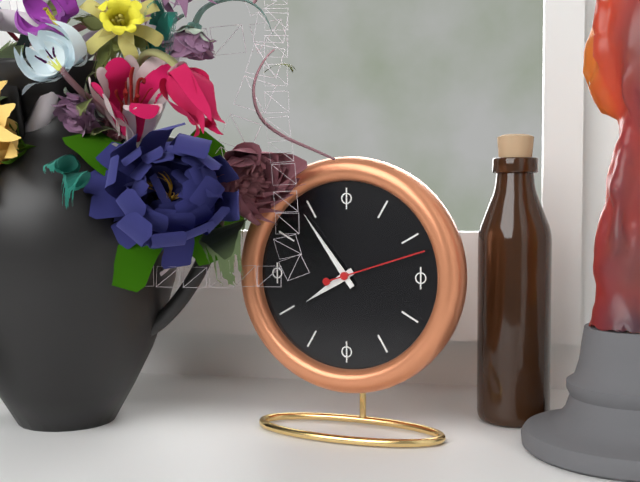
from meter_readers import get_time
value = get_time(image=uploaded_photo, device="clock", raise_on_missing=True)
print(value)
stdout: 7:54:12
